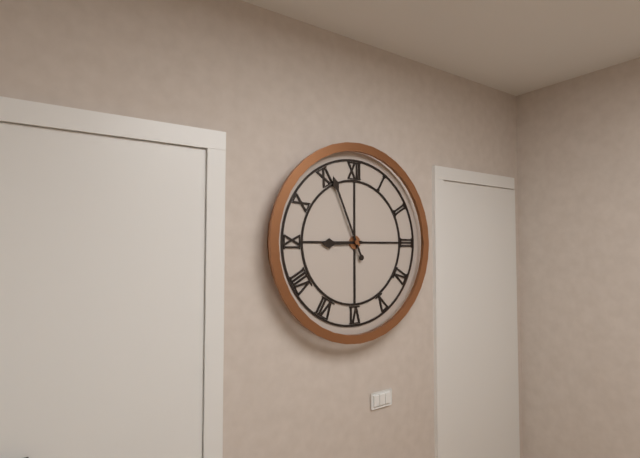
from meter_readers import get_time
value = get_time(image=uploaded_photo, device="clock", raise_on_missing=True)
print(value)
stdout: 8:56
